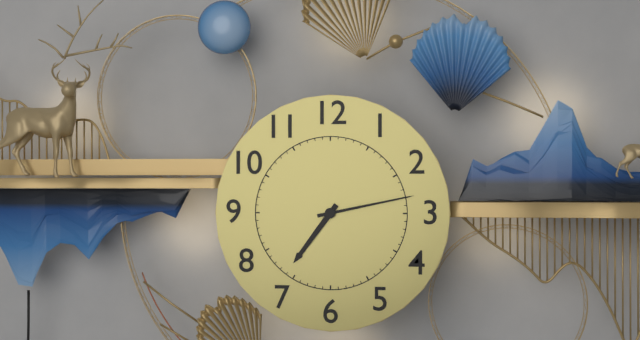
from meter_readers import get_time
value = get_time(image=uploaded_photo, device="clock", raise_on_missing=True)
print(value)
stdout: 7:13
